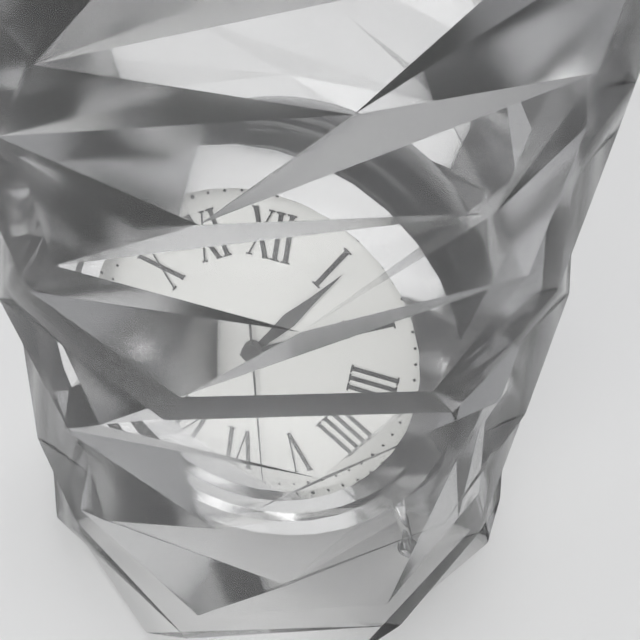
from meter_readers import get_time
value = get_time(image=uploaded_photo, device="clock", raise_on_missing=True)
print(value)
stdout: 1:10:28
